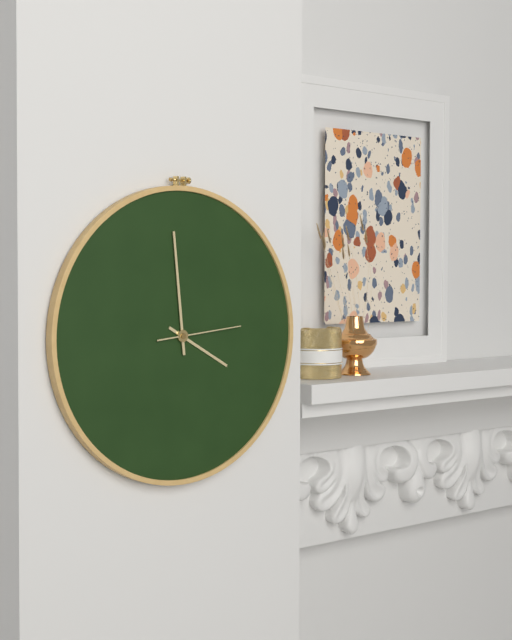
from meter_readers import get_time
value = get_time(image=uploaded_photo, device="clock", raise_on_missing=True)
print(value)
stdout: 3:59:14
